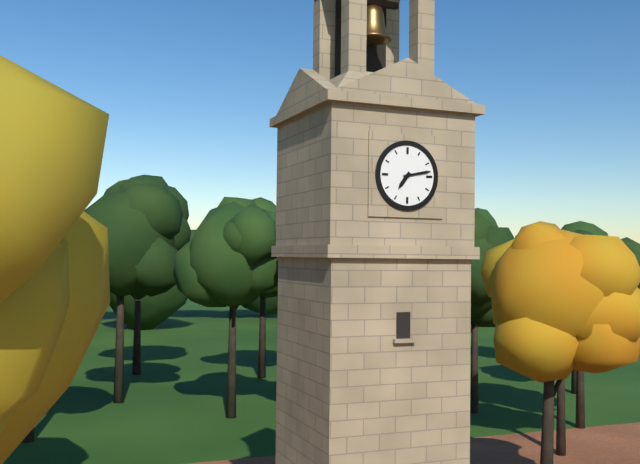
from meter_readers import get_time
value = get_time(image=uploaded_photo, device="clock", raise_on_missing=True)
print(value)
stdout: 7:13
